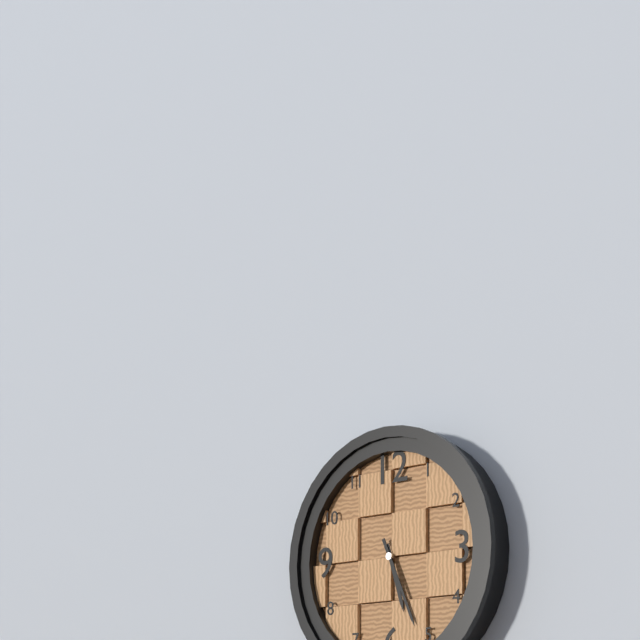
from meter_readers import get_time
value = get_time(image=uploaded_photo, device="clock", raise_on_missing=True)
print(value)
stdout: 5:26
